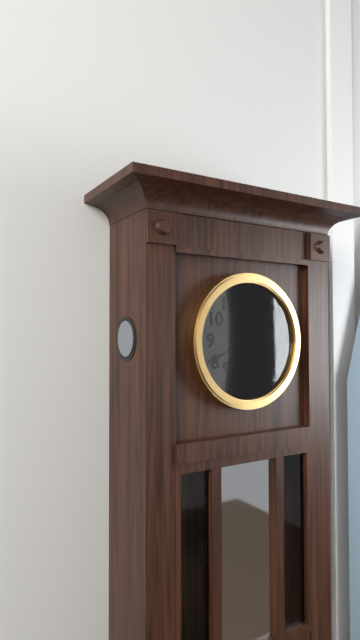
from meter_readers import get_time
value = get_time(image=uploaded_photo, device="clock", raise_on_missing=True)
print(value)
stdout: 12:41
